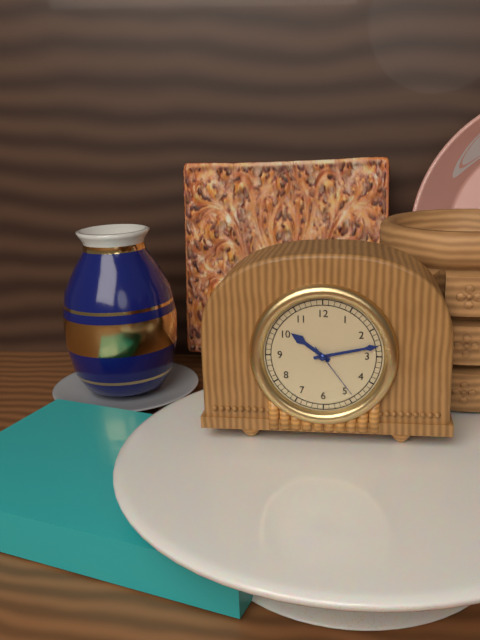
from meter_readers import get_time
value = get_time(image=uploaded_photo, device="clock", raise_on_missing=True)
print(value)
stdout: 10:13:24
